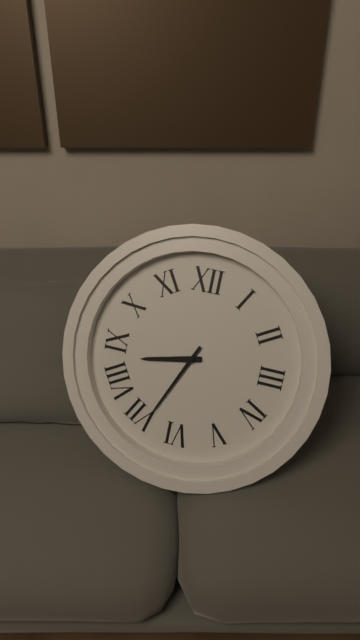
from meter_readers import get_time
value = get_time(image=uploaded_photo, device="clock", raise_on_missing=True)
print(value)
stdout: 8:34
